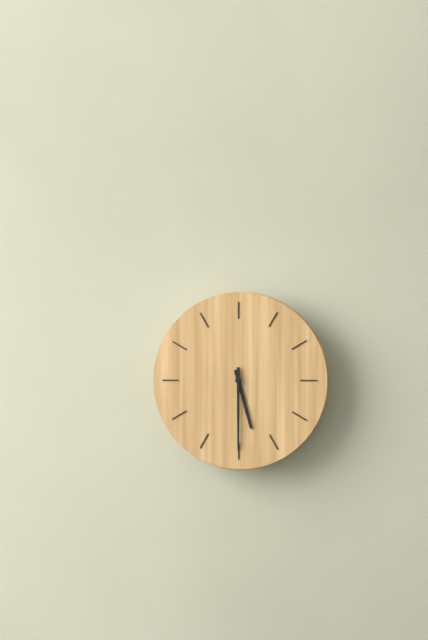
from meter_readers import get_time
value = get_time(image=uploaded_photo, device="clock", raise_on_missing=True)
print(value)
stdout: 5:30
